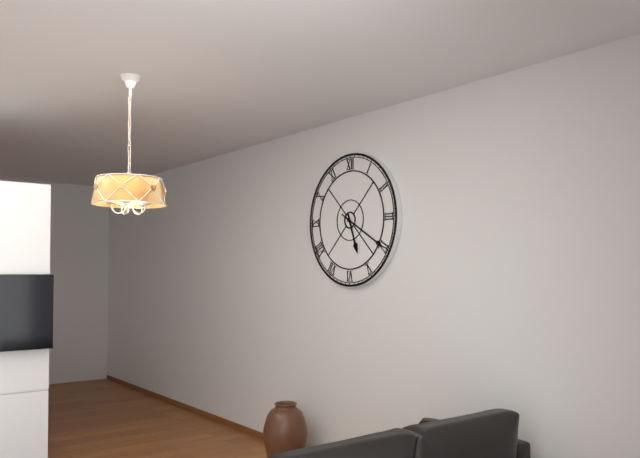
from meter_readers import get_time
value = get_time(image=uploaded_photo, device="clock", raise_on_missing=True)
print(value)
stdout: 5:20
